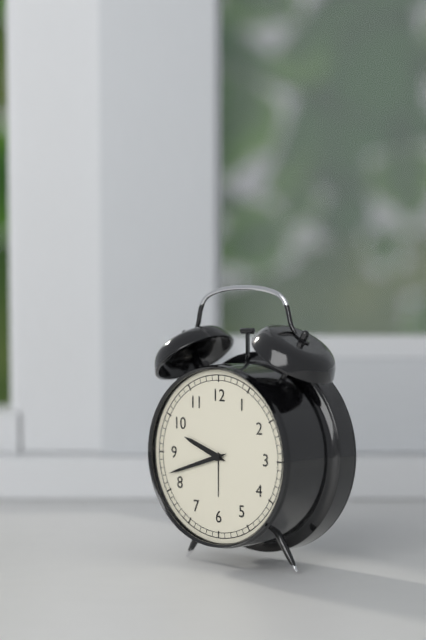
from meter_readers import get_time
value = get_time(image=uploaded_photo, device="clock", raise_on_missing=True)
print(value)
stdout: 9:42
